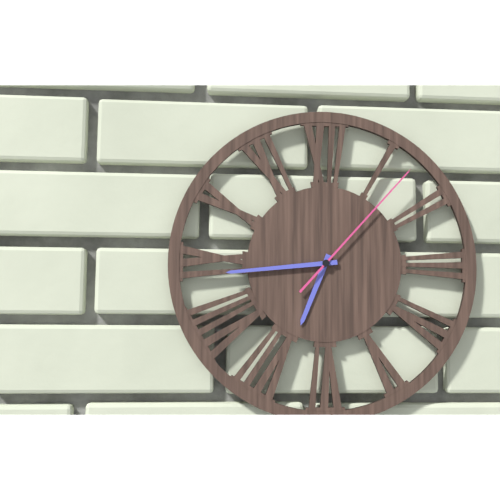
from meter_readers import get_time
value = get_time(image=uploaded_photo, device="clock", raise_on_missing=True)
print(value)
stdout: 6:44:07
